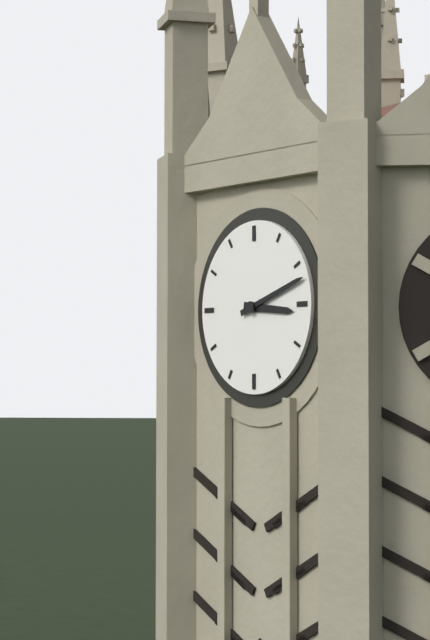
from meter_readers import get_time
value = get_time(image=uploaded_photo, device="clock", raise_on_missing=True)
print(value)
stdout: 3:12
